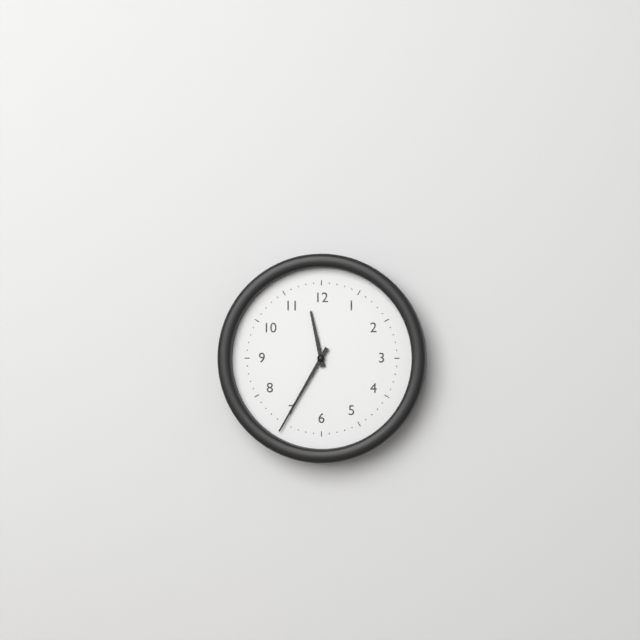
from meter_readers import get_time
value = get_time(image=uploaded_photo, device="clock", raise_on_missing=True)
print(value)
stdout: 11:35
